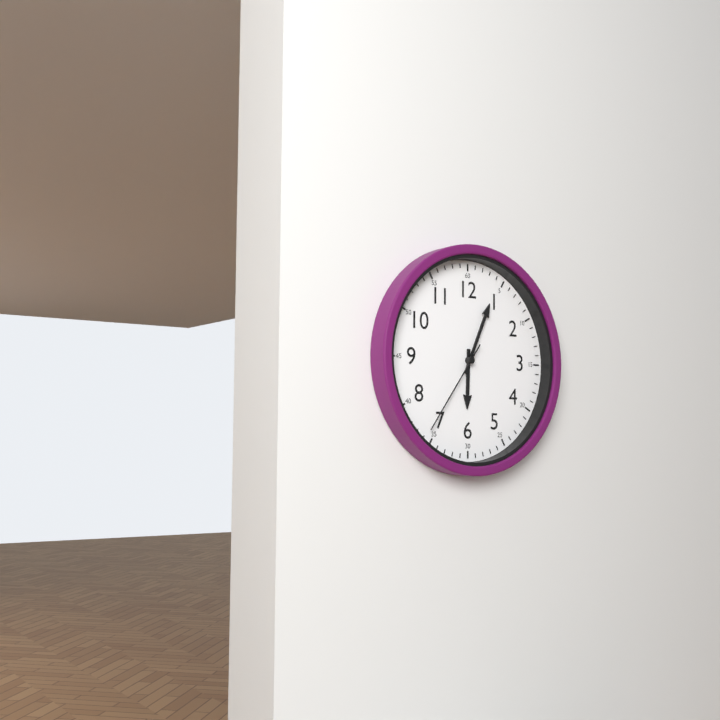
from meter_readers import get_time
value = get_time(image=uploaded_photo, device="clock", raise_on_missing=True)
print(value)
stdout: 6:04:36
